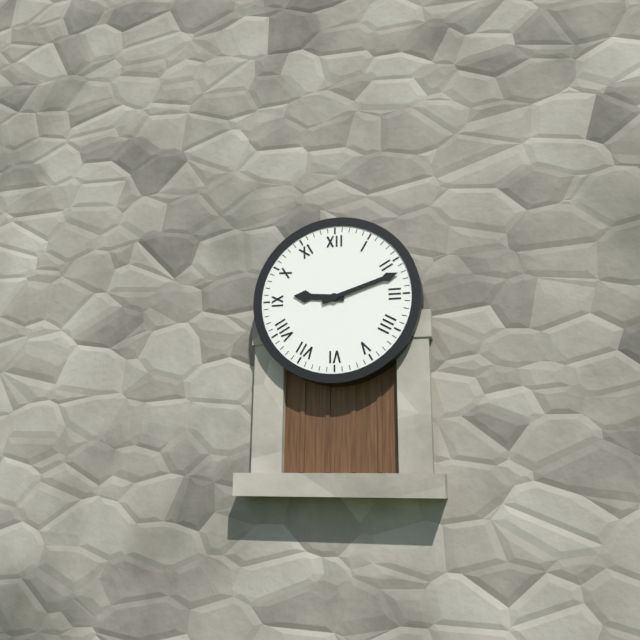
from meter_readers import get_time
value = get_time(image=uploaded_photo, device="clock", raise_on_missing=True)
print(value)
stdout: 9:12
